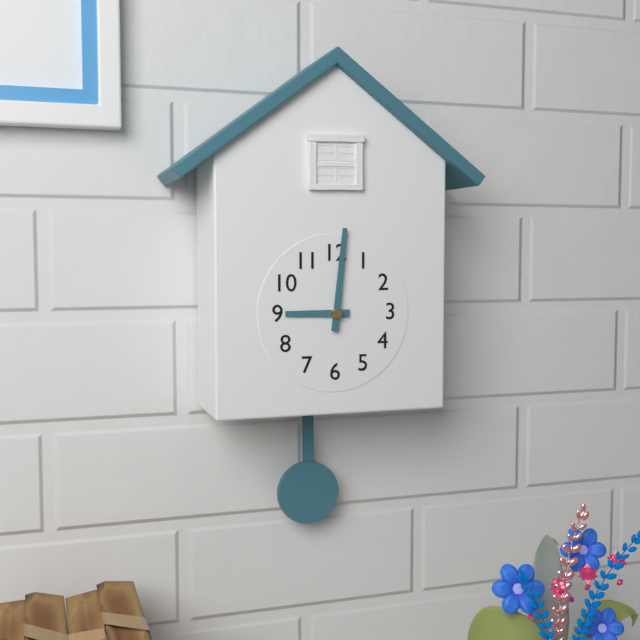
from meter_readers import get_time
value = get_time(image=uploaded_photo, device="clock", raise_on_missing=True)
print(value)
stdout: 9:01
